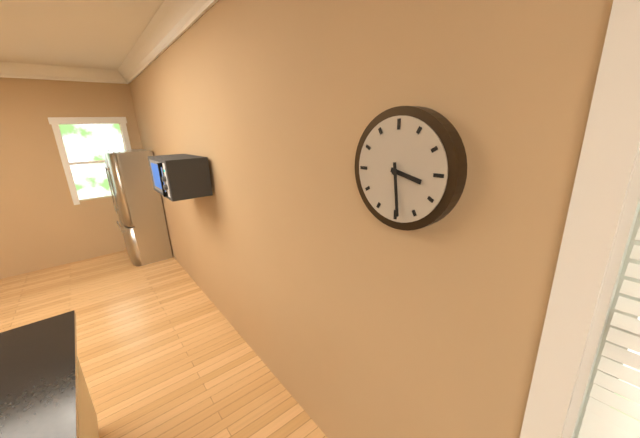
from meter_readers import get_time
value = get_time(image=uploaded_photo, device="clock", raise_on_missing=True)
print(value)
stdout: 3:29
